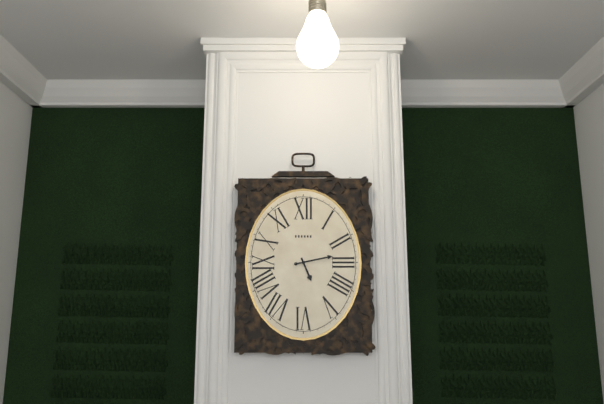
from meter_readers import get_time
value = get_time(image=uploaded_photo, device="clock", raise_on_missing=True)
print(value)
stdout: 5:13
